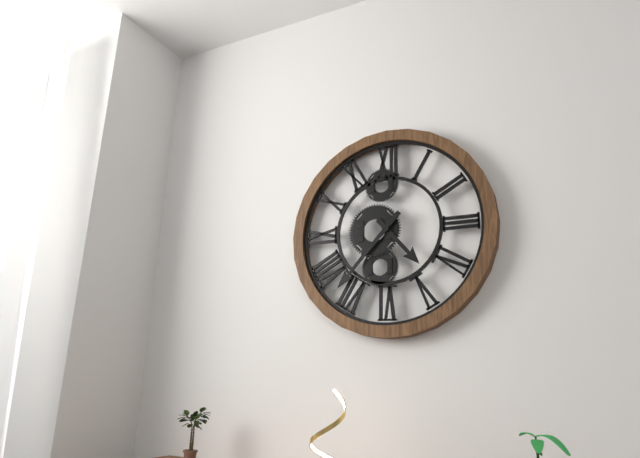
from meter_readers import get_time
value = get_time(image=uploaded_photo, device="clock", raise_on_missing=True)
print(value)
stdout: 4:37
